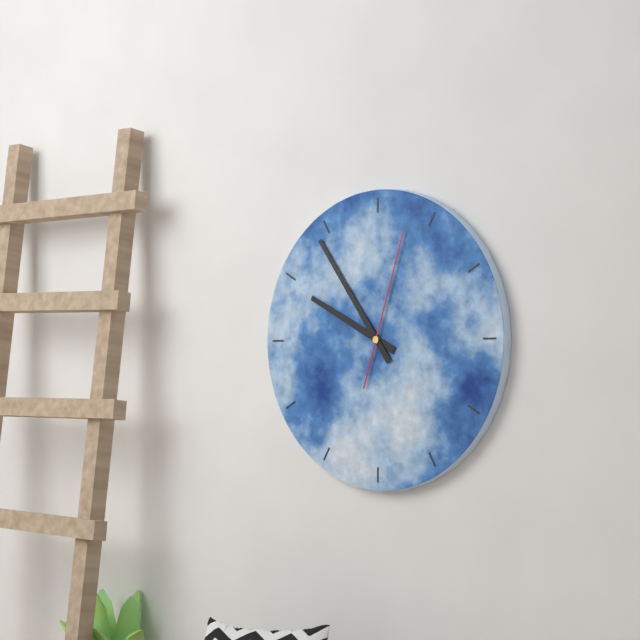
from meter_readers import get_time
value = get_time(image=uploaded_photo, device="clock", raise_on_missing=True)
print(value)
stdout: 9:54:03
